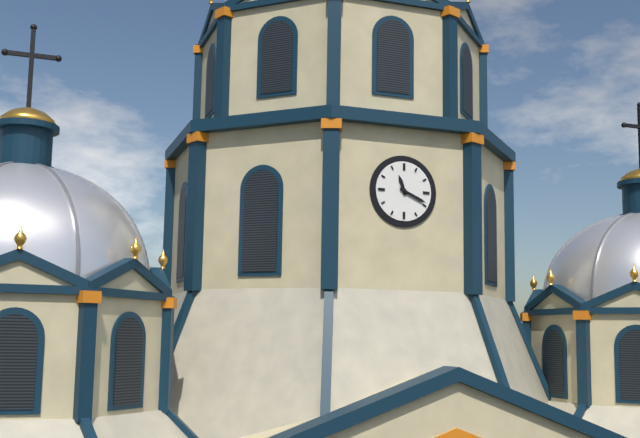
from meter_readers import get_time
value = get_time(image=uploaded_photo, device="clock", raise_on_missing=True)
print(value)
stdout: 11:19
